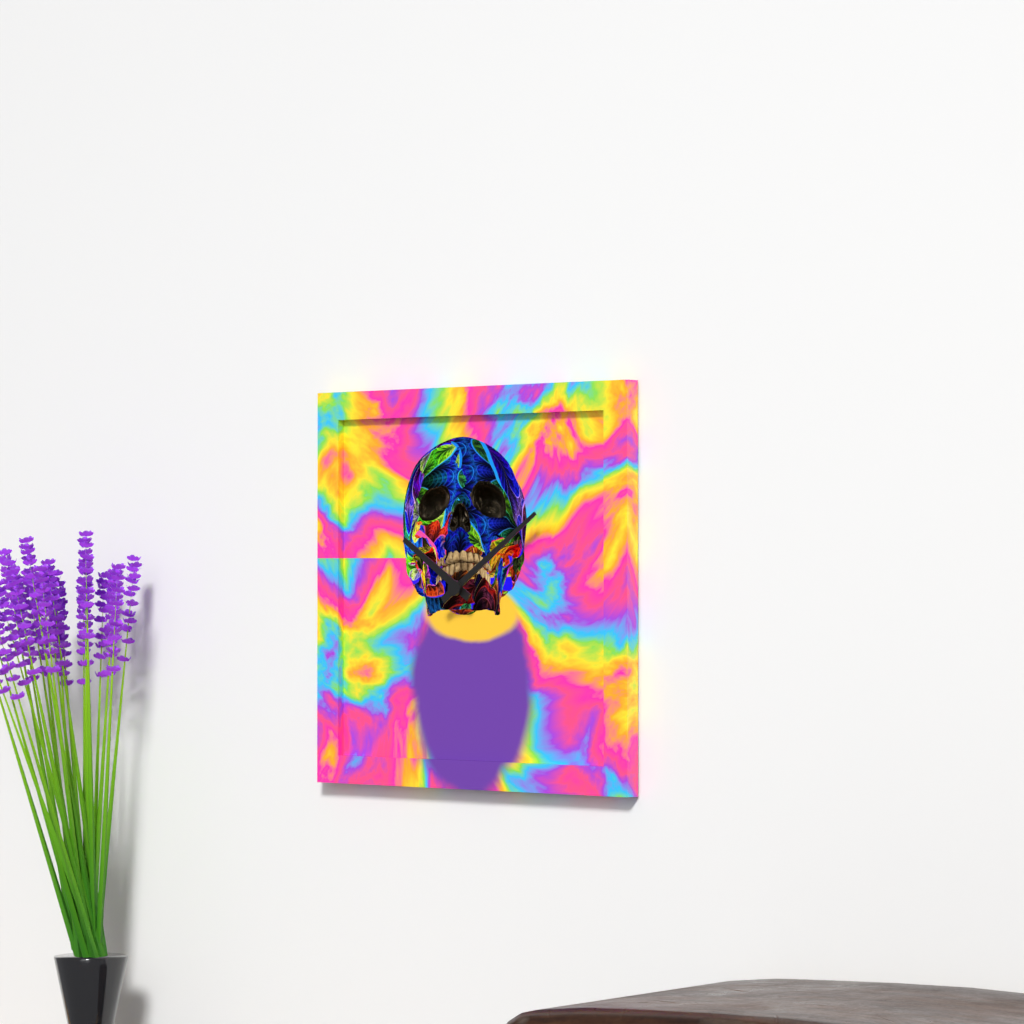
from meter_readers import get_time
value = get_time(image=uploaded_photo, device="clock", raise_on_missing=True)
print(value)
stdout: 10:09
